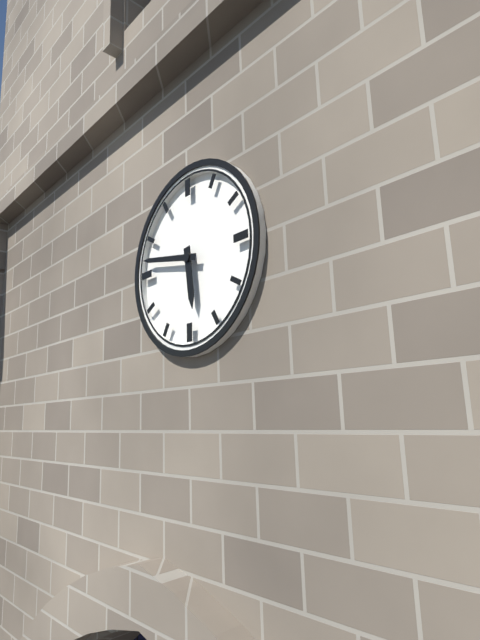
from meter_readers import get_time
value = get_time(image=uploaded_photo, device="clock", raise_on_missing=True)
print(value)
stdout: 5:47
